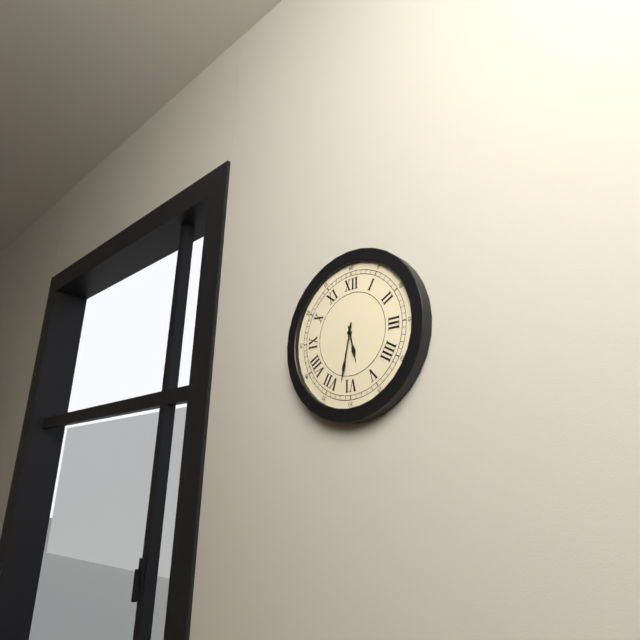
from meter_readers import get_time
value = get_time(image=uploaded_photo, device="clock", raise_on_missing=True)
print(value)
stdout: 5:32
